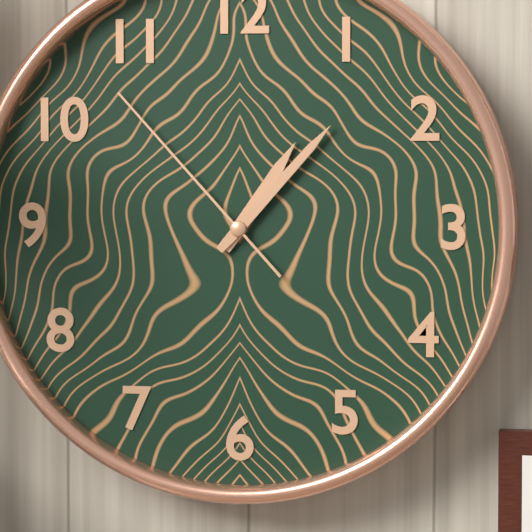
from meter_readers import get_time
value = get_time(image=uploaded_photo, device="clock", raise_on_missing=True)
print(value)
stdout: 1:07:53
